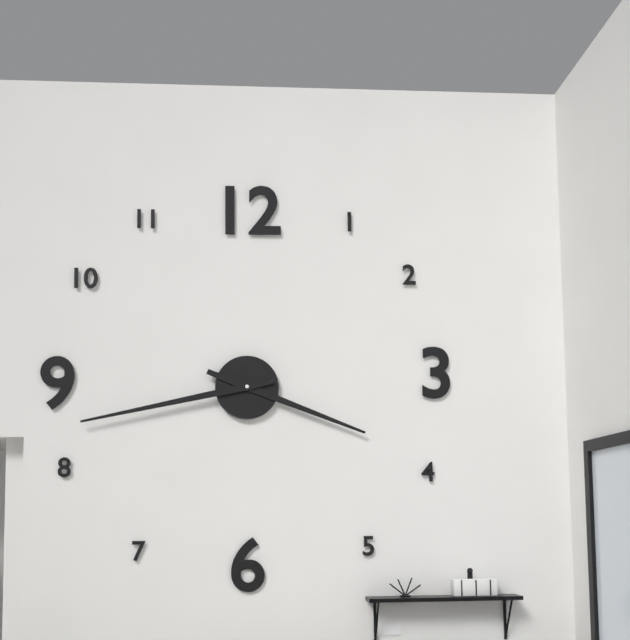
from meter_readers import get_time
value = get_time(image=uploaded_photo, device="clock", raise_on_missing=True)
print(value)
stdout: 3:43
